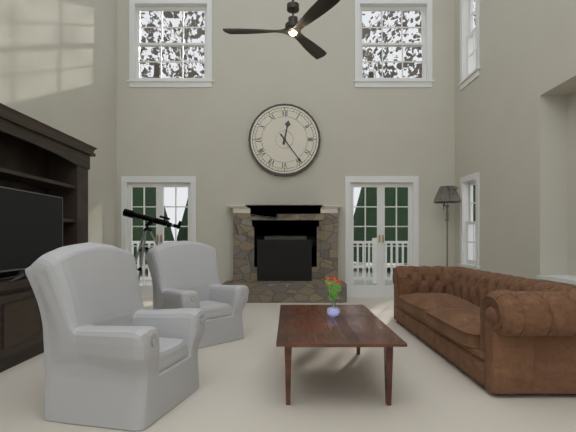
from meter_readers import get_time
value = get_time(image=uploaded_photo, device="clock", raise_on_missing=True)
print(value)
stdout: 12:24
